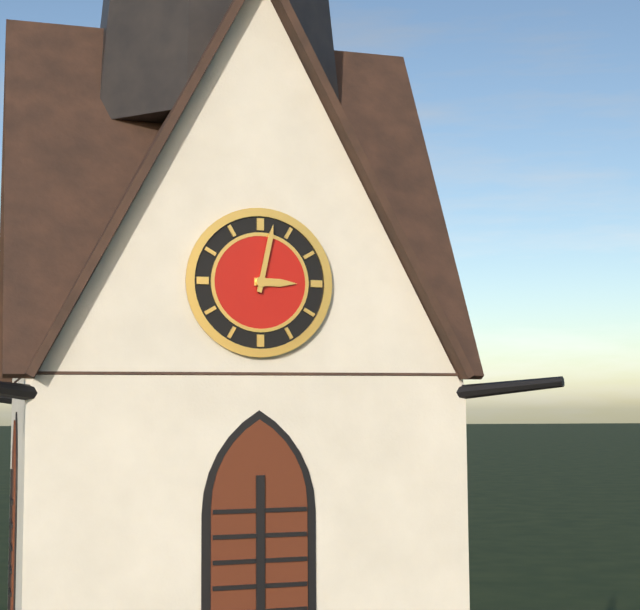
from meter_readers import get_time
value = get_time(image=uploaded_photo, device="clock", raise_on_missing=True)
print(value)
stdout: 3:02
